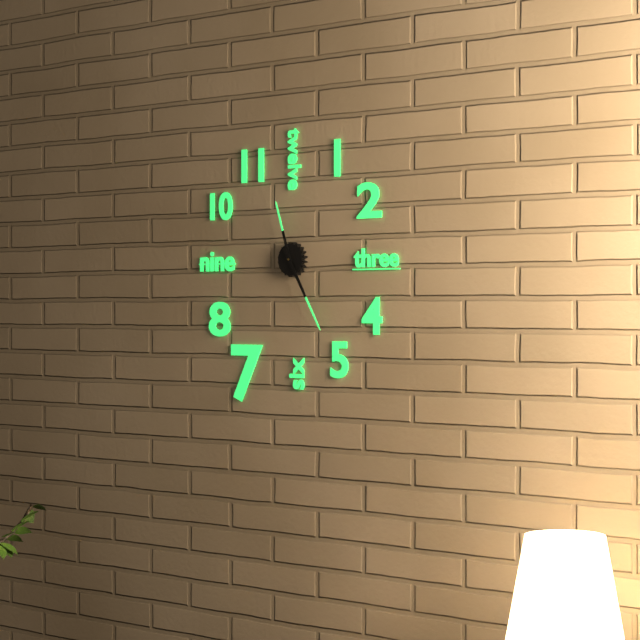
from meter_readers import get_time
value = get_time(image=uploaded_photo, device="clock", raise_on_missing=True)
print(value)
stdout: 11:25
